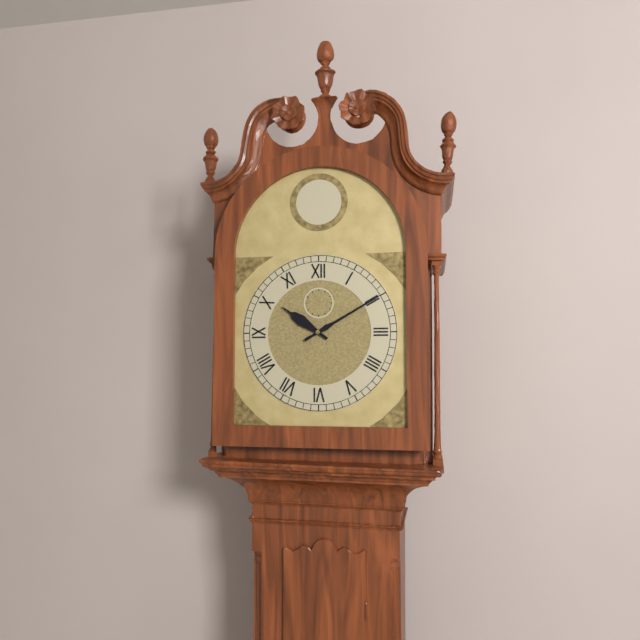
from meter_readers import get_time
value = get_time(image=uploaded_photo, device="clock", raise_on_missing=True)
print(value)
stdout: 10:10
